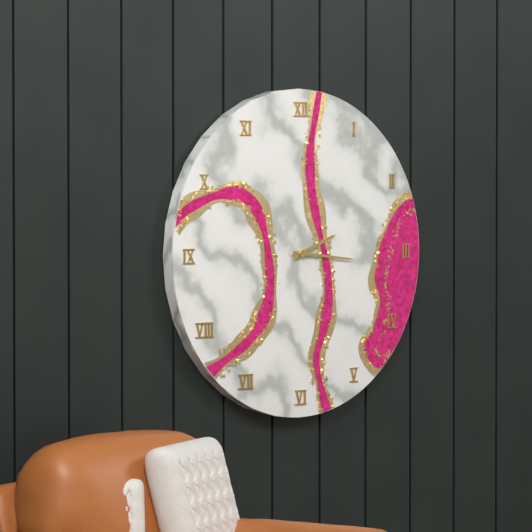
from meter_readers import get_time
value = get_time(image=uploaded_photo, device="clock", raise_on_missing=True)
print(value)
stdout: 2:16
